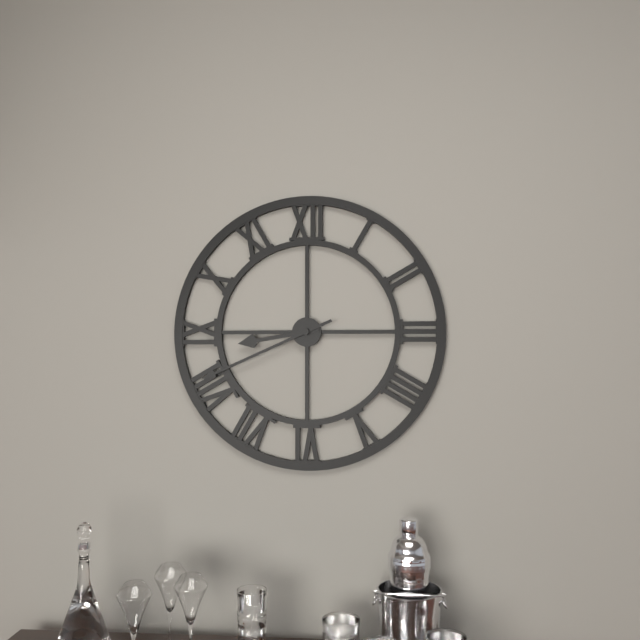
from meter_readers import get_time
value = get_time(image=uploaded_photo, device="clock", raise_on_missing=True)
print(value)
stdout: 8:41
